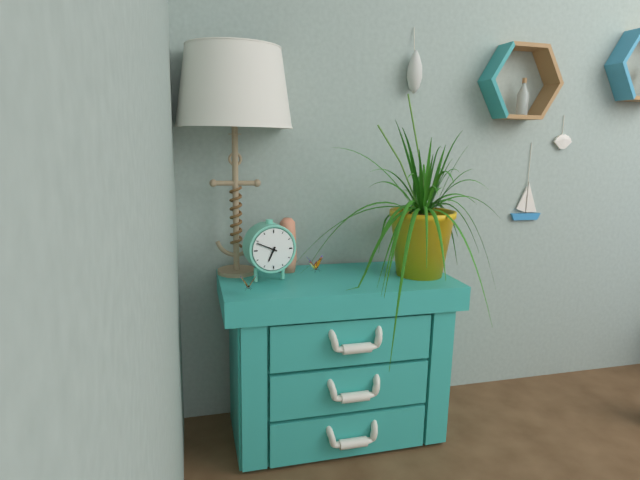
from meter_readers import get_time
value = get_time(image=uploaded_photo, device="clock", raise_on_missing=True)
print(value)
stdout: 6:49
